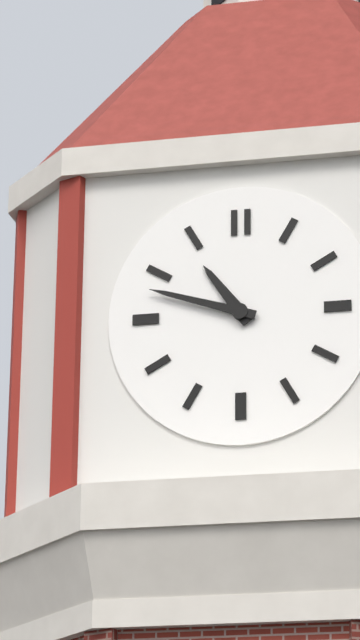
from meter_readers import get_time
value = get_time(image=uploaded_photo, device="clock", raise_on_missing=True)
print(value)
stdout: 10:48
